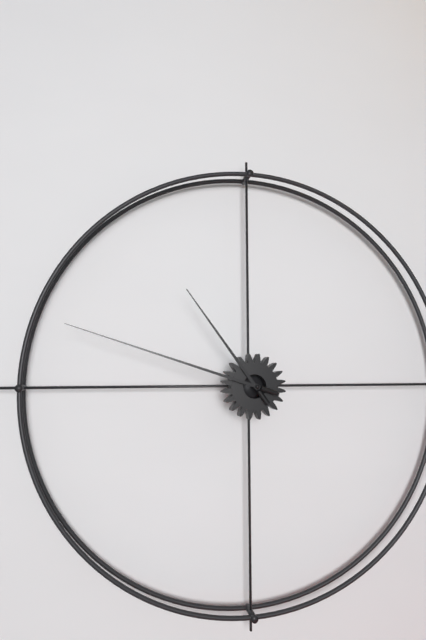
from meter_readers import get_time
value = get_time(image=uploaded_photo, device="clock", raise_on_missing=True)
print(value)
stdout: 10:48
